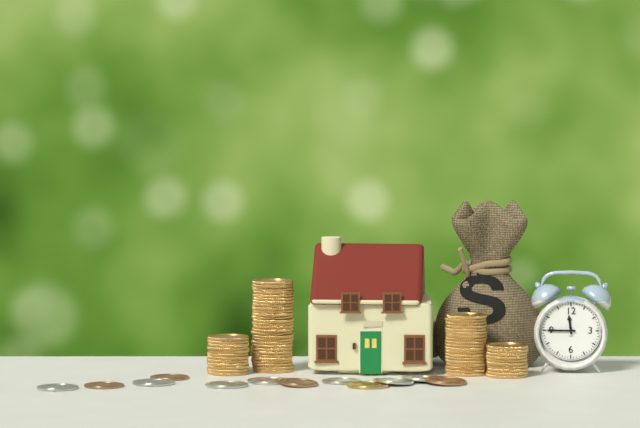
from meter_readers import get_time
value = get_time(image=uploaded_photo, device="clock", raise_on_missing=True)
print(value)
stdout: 11:45
